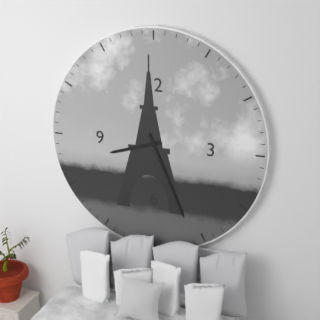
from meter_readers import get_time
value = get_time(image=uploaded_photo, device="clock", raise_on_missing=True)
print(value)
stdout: 8:26
